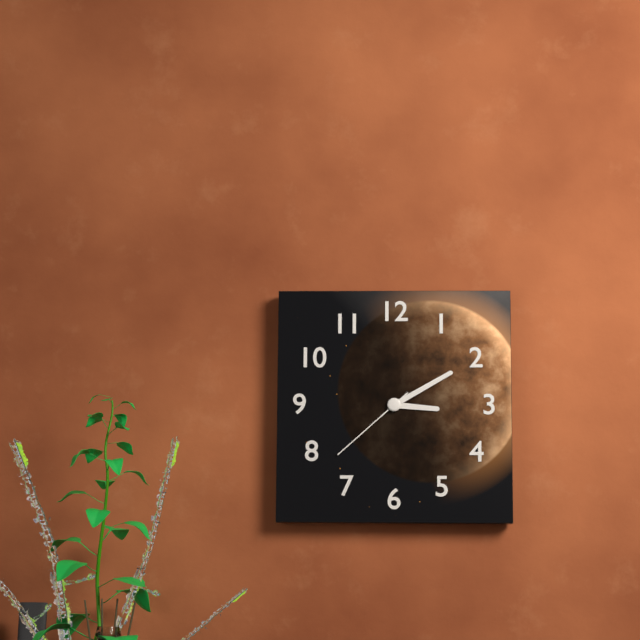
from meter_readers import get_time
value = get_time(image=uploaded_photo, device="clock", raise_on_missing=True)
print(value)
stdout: 3:10:38
